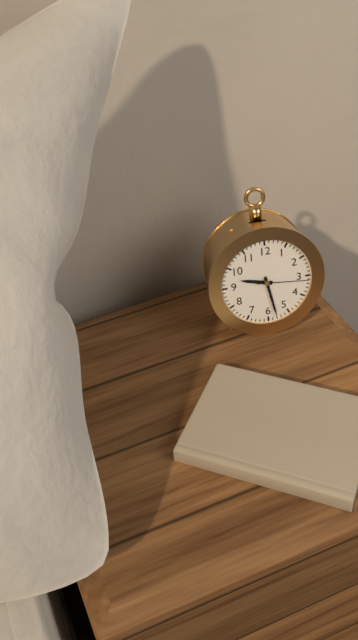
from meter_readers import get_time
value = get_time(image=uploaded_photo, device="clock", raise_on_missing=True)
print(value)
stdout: 9:28:16
